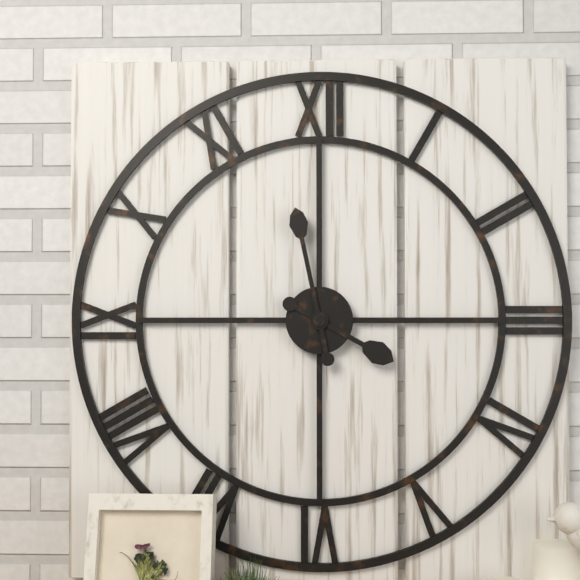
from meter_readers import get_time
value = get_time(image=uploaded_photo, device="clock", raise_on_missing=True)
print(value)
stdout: 3:58
